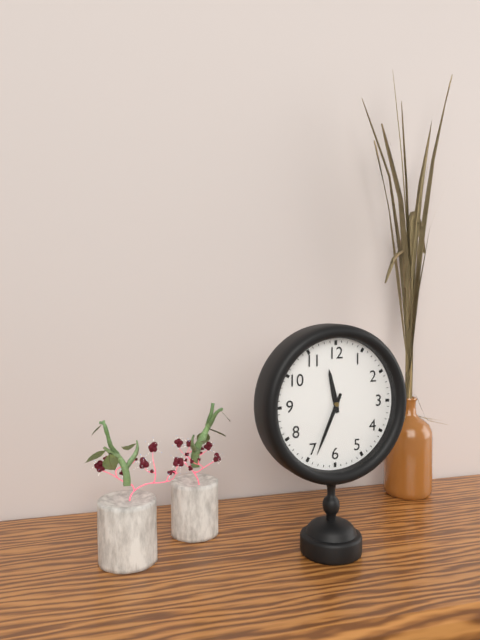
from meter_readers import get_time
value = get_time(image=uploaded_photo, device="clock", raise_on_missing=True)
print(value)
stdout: 11:34
